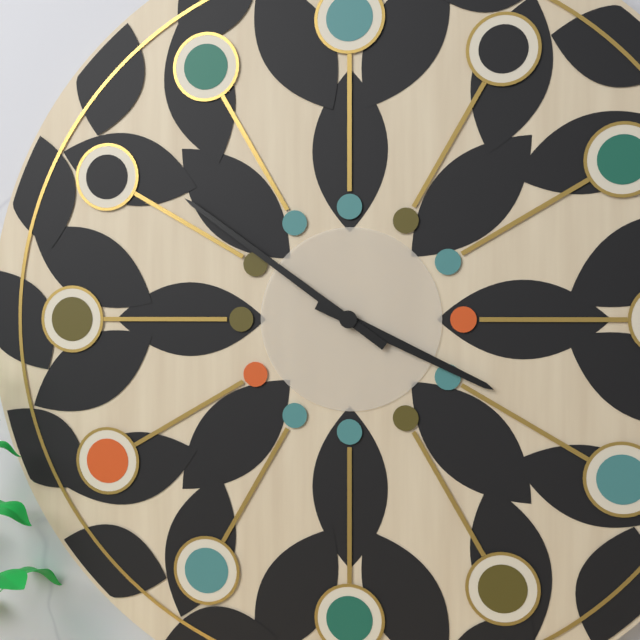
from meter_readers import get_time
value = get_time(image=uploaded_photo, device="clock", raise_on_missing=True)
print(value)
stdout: 3:51
